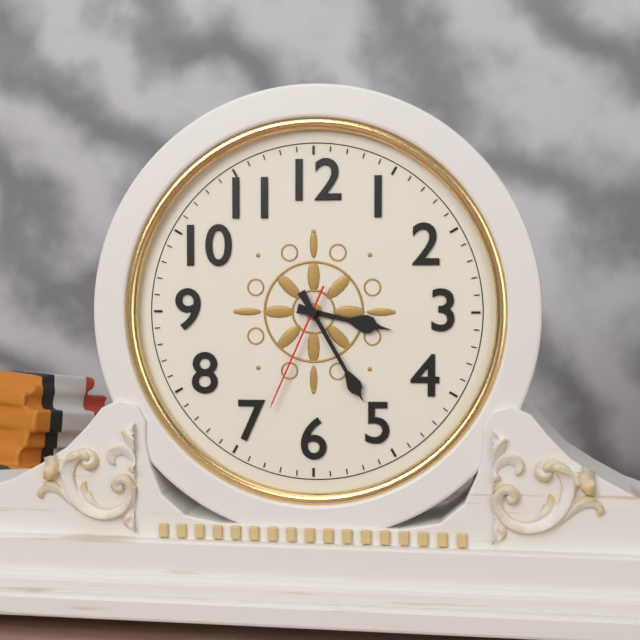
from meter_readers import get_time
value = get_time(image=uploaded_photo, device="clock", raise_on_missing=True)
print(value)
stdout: 3:25:34
